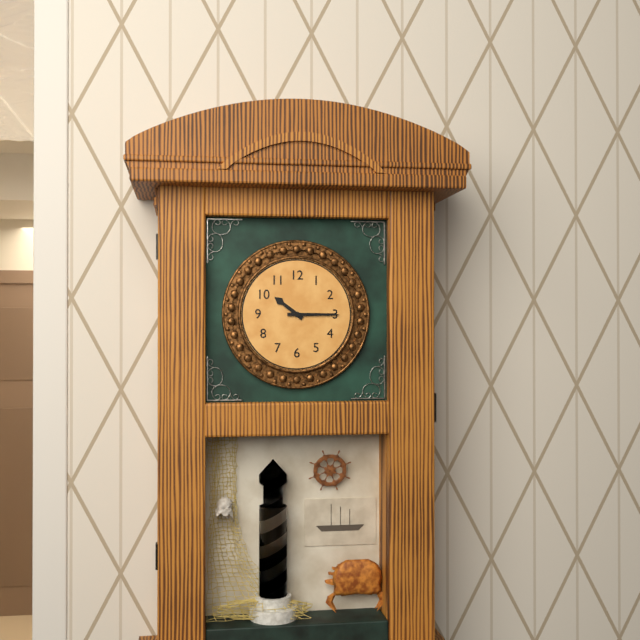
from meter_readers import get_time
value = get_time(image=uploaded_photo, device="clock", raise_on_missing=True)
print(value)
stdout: 10:15
